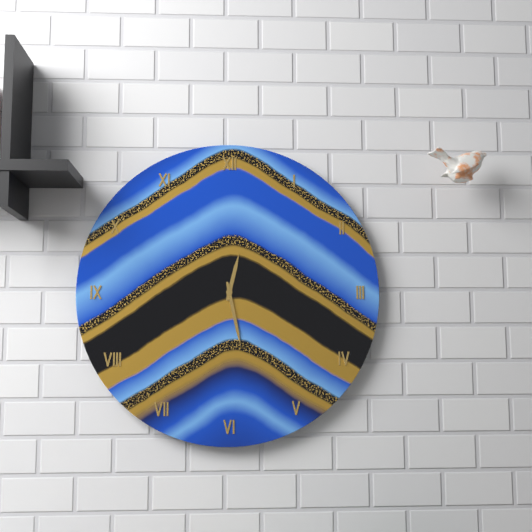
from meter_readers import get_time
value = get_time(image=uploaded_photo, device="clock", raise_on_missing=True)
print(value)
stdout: 12:28
